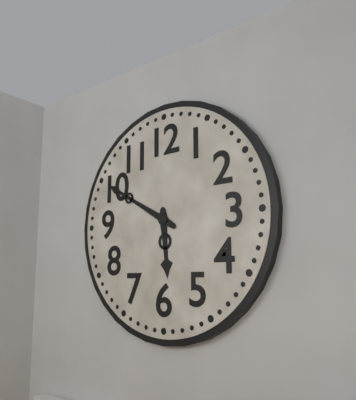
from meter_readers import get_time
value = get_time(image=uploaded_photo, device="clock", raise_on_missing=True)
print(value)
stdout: 5:50
